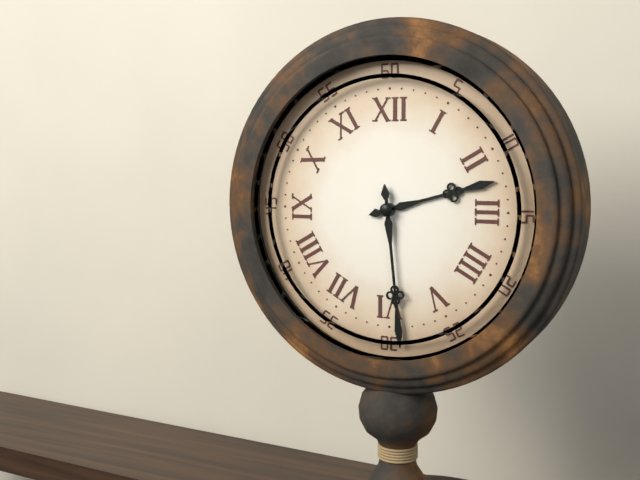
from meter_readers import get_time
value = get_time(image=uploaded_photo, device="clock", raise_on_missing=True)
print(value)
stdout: 2:29
